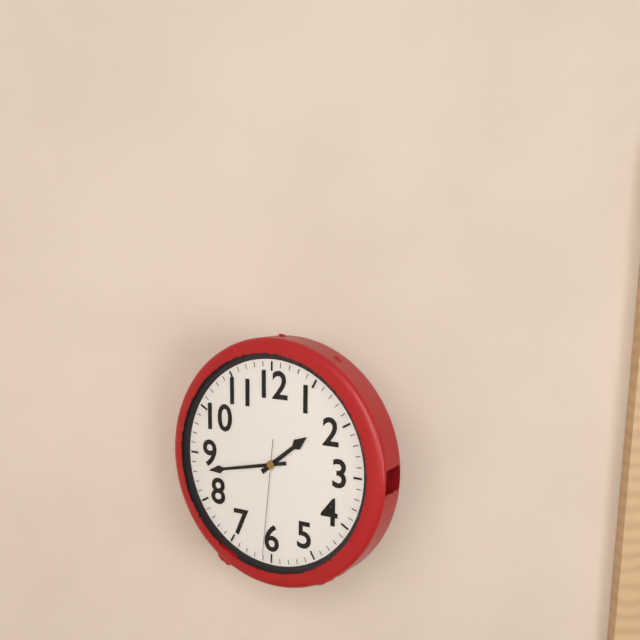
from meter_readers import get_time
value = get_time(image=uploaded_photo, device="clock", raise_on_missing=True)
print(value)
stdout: 1:43:31
